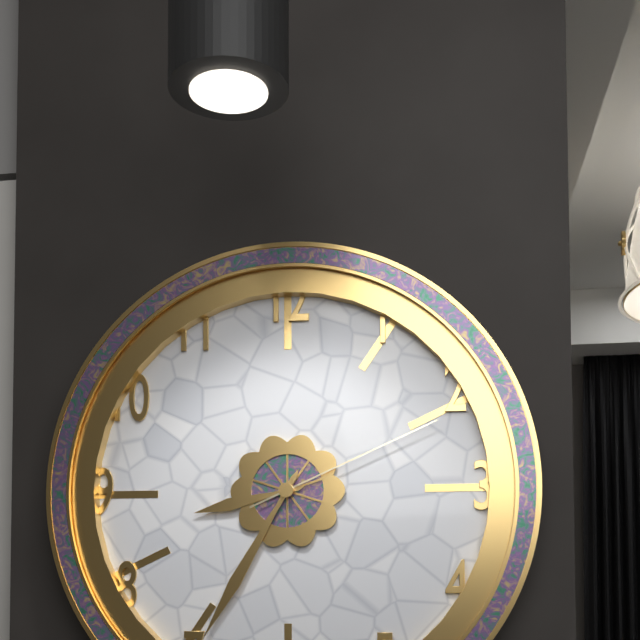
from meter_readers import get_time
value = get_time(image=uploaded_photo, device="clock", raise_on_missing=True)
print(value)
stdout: 8:35:11
